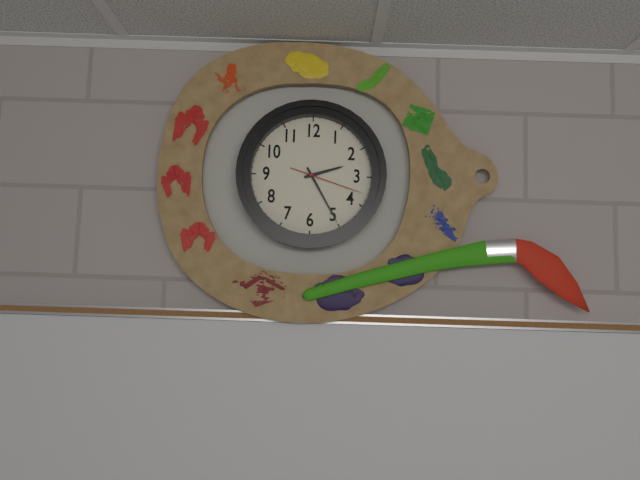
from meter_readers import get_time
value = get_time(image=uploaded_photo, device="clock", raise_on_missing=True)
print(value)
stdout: 2:25:18
